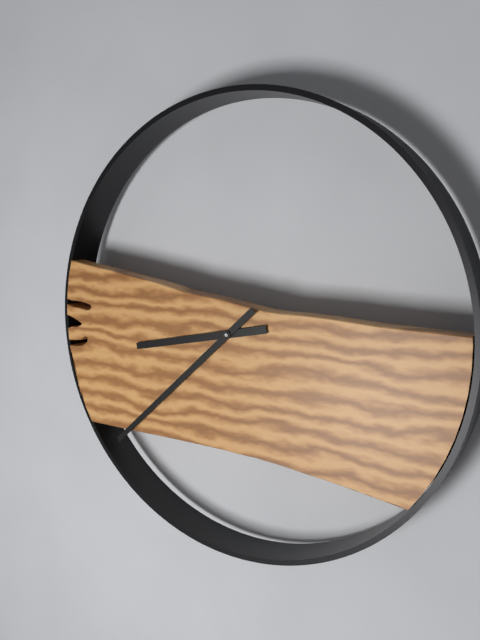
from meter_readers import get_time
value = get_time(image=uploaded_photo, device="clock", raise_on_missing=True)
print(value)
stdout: 8:38
